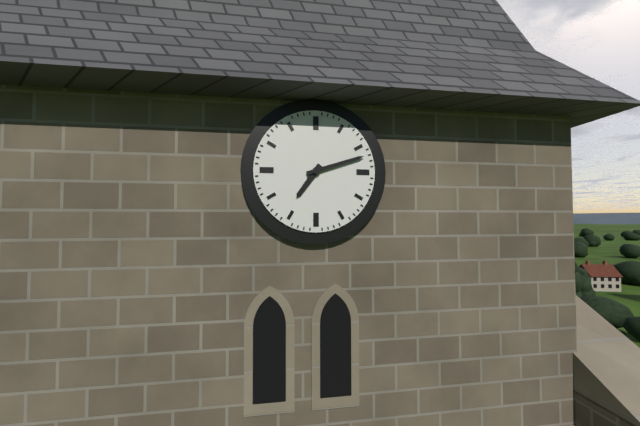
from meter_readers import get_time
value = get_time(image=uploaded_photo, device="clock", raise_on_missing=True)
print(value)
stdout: 7:12
